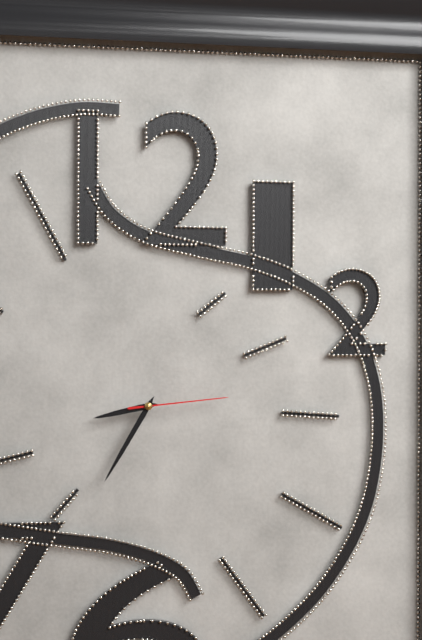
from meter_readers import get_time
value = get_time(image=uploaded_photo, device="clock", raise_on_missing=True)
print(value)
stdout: 8:35:14
